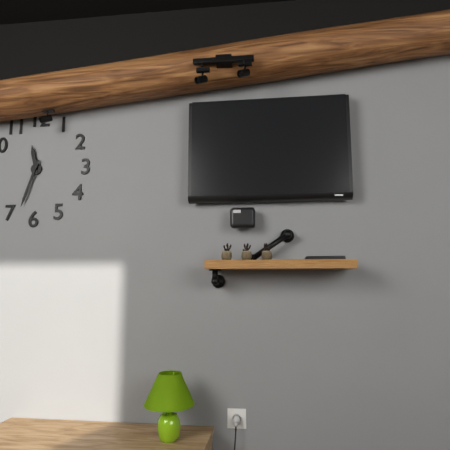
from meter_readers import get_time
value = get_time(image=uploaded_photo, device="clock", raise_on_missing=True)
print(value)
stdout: 11:33
